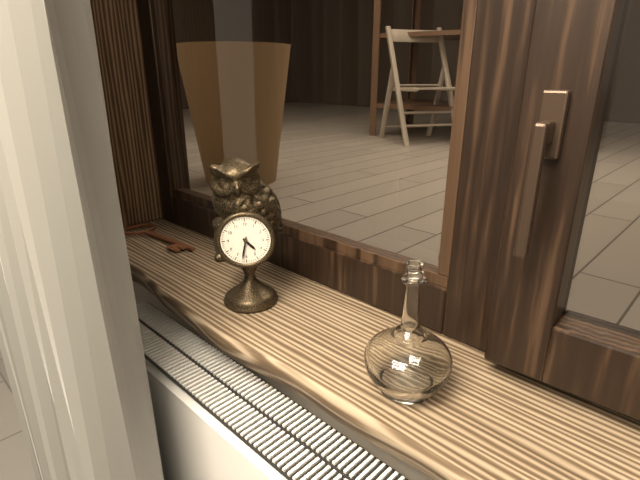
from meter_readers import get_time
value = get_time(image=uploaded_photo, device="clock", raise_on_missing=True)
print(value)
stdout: 4:32
